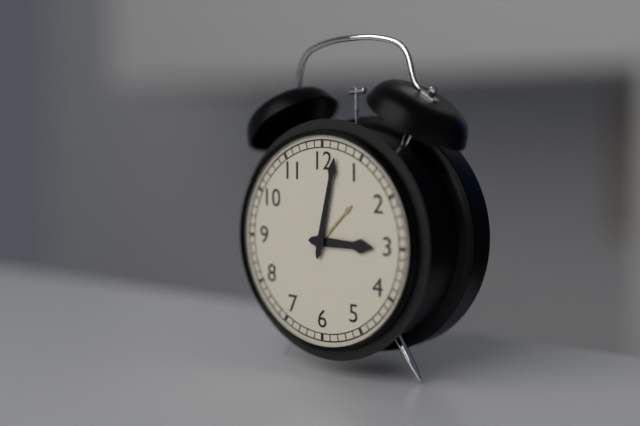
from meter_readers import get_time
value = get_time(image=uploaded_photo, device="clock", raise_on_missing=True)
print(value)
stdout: 3:02
